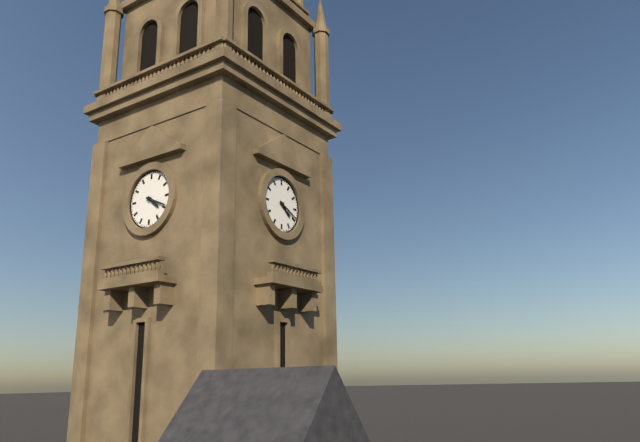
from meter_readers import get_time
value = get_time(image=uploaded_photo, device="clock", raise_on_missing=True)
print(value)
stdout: 4:19
